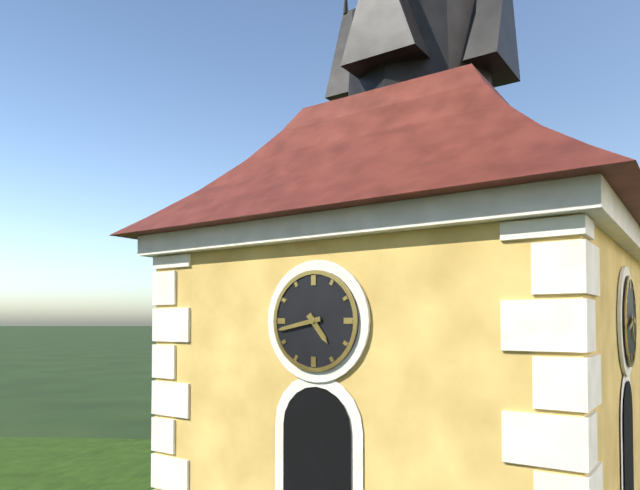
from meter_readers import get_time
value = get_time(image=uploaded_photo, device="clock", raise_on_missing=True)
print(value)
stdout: 4:43
